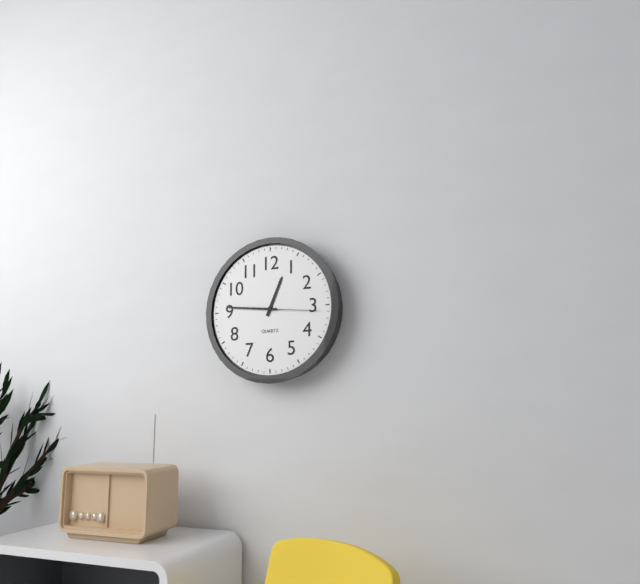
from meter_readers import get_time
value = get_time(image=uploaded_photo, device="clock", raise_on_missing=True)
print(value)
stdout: 12:46:16
